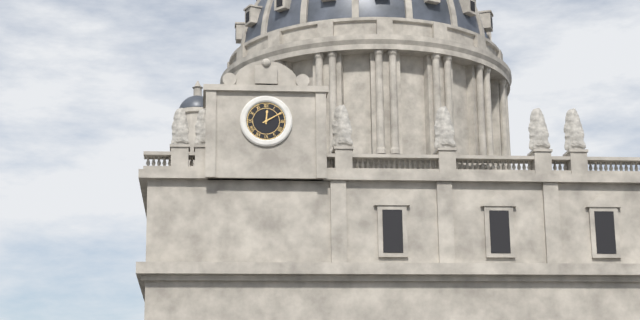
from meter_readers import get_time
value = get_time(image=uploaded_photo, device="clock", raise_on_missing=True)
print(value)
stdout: 12:10
